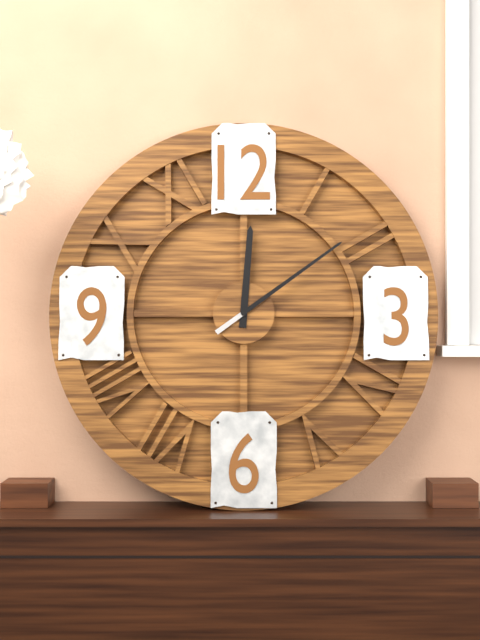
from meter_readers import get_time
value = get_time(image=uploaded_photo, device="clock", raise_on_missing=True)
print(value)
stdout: 12:09
